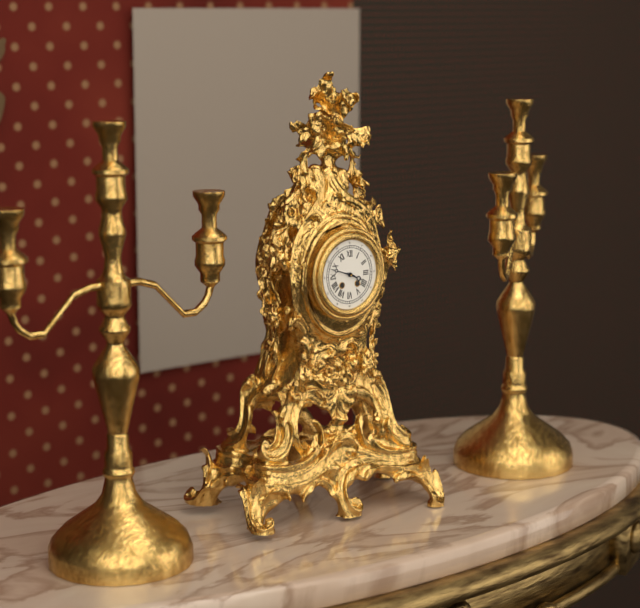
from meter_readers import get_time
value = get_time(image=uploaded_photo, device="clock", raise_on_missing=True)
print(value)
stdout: 3:48
